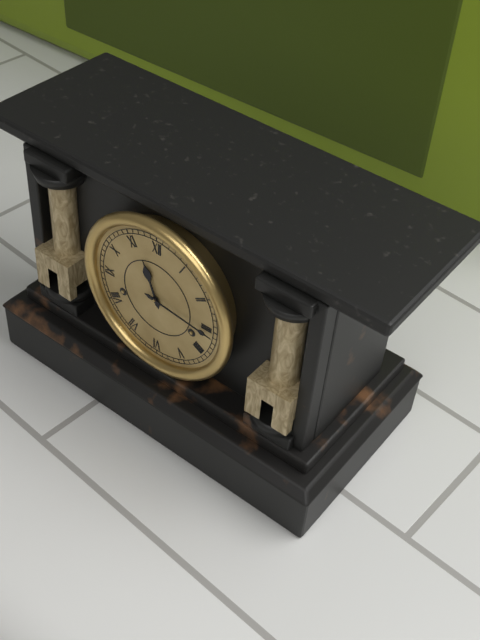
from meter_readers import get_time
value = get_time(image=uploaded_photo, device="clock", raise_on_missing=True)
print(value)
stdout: 11:16
